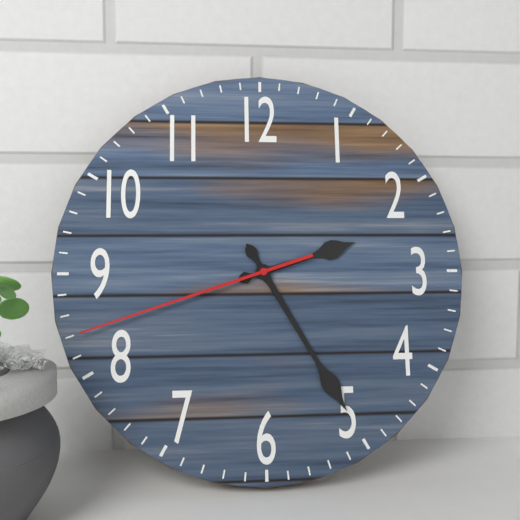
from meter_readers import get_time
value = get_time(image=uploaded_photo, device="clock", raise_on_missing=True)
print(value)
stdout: 2:25:42
